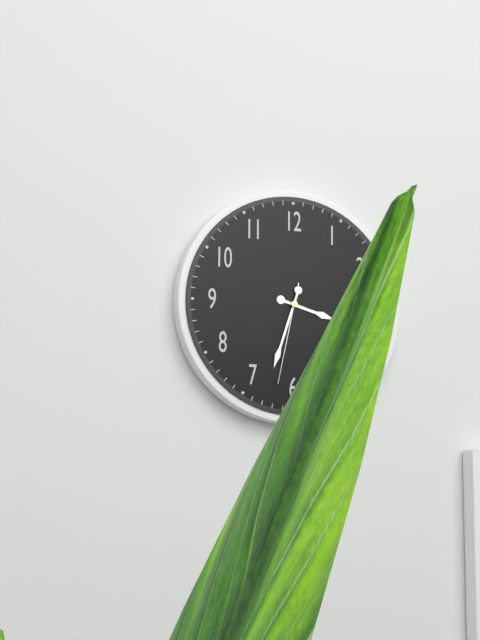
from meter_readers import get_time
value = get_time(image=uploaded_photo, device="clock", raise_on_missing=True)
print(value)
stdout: 3:33:32
